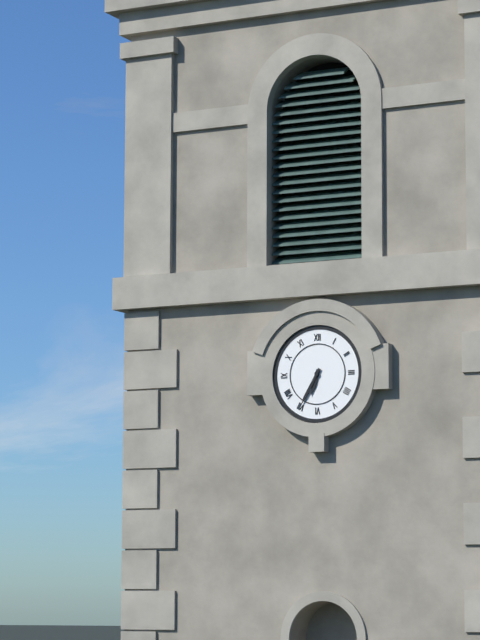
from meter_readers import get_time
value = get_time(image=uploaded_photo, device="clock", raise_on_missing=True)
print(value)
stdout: 6:35
